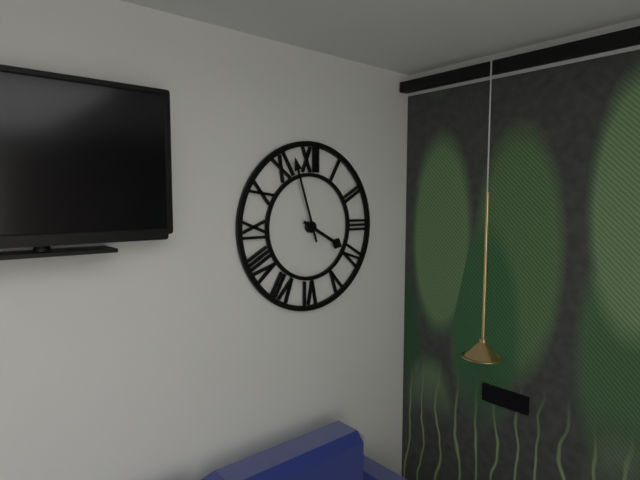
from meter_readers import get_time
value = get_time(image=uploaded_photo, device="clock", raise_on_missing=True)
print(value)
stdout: 3:57
